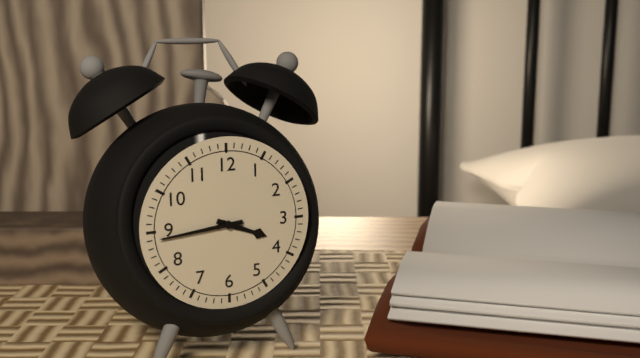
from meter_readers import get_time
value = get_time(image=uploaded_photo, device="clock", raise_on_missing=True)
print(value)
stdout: 3:44
